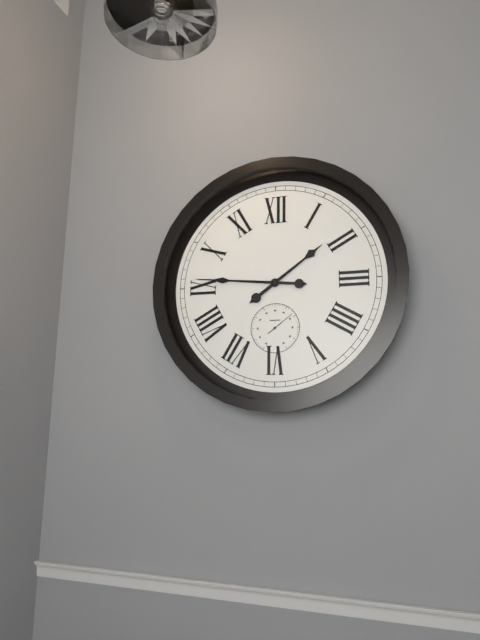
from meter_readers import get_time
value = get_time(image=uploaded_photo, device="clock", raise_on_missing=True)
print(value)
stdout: 1:46
